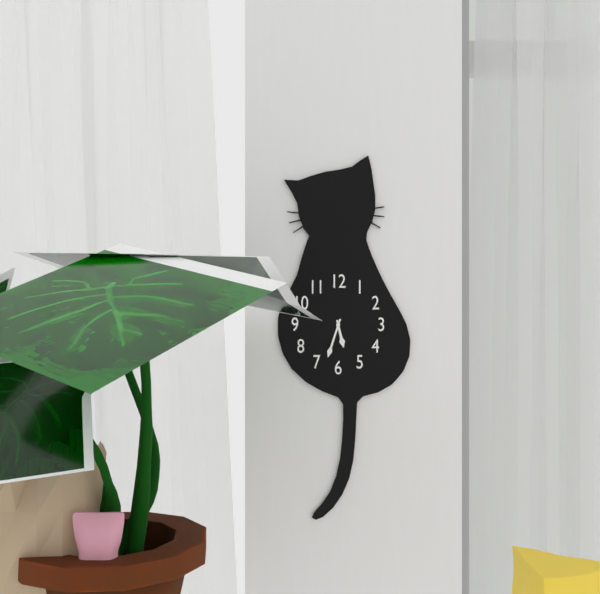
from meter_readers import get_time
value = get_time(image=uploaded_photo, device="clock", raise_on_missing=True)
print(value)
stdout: 5:33
